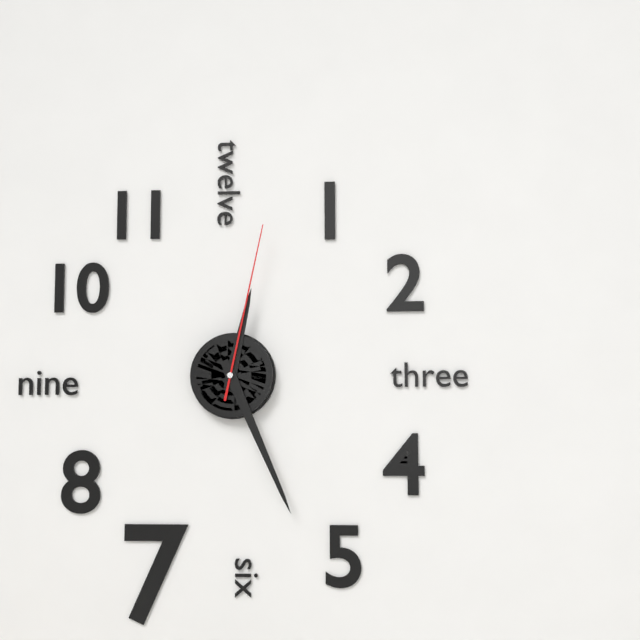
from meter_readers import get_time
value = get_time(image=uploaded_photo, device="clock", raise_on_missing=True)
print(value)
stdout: 12:26:02
